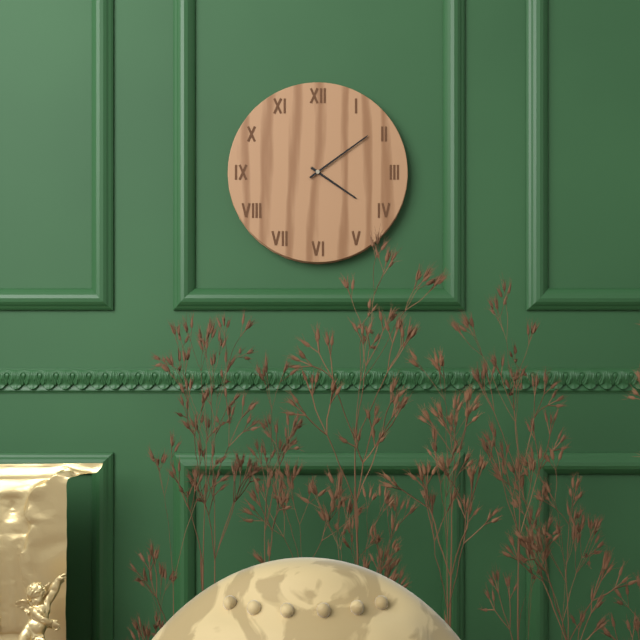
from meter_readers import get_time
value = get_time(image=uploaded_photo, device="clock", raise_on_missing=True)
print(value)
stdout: 4:09
